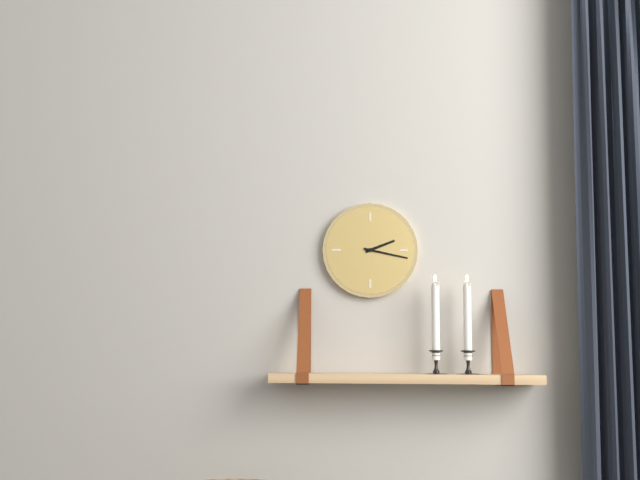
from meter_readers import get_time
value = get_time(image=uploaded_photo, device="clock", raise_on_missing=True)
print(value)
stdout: 2:17
